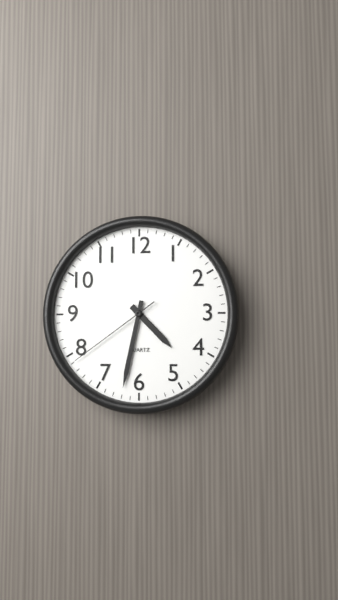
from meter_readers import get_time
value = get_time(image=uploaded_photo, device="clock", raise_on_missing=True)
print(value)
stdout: 4:32:39
